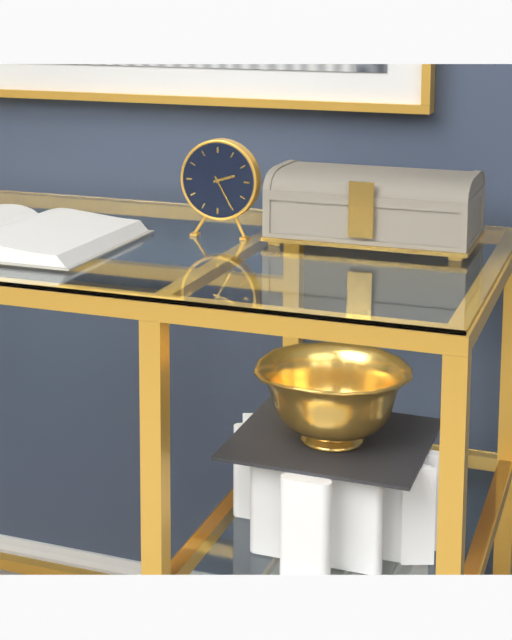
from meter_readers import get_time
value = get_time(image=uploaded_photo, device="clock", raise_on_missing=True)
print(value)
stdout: 2:25
